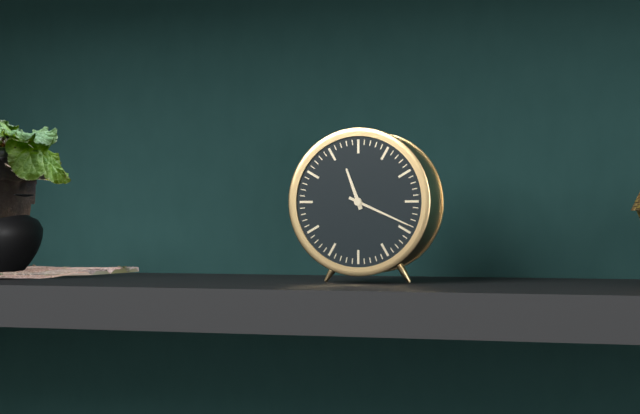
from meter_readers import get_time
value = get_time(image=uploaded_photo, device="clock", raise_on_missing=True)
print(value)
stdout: 11:19
